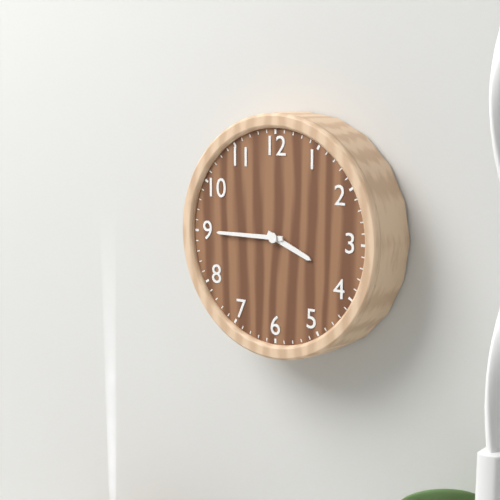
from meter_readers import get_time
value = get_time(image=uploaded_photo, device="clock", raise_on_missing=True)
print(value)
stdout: 3:45
